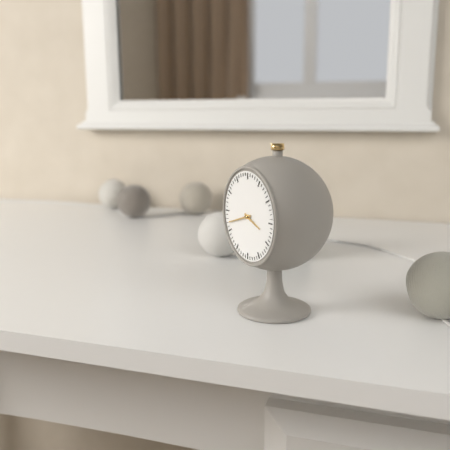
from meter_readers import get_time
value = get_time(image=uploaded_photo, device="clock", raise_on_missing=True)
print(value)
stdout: 3:42
